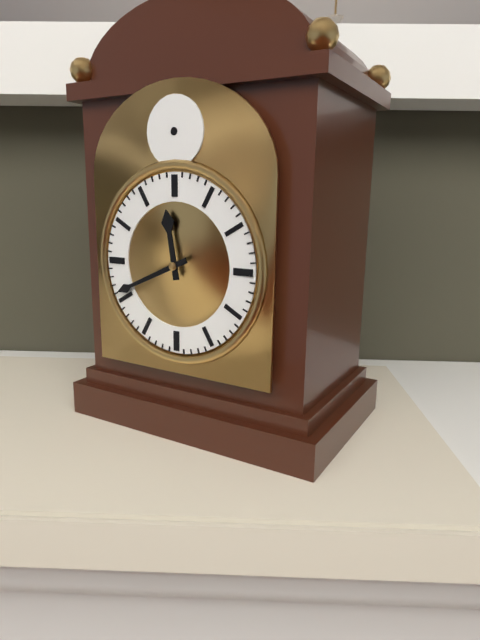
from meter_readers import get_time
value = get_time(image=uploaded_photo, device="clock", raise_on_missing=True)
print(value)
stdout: 11:41
